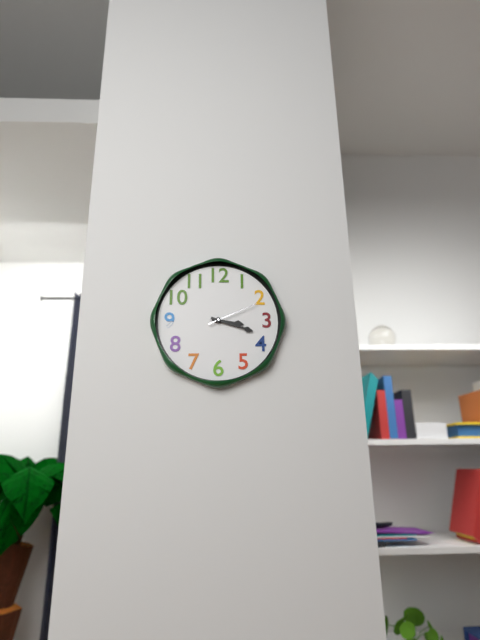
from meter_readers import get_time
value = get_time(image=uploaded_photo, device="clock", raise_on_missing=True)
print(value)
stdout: 3:18:11
